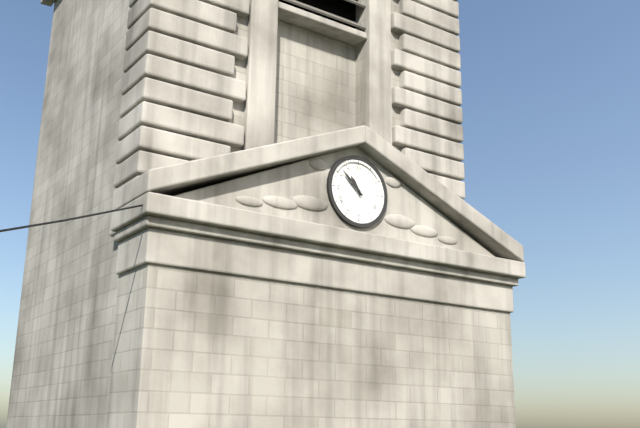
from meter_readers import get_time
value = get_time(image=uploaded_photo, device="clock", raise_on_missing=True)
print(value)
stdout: 10:52
